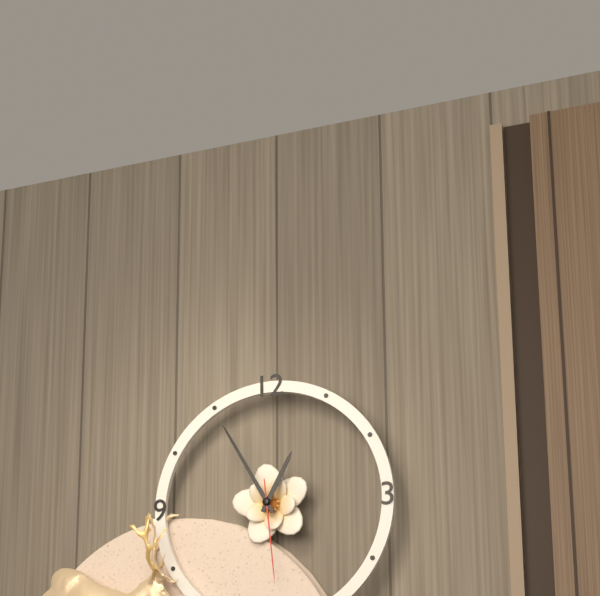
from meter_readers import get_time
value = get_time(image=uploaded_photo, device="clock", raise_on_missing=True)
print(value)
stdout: 12:55:29
